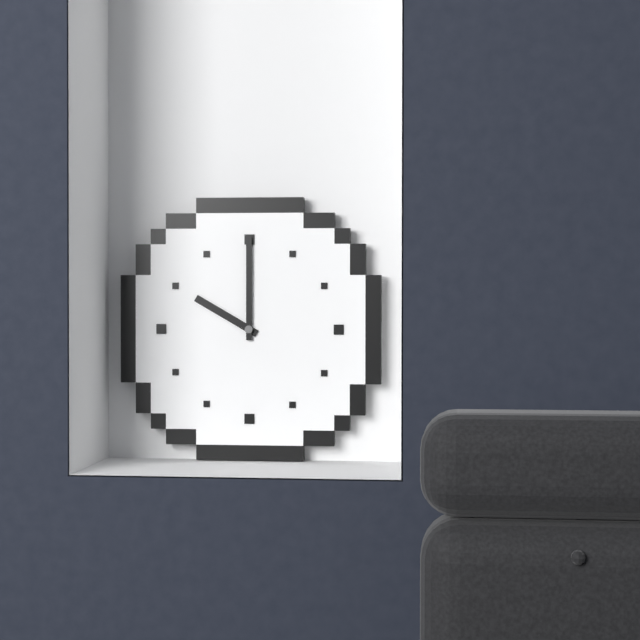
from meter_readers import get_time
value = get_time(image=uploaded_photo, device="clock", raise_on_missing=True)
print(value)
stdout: 10:00
